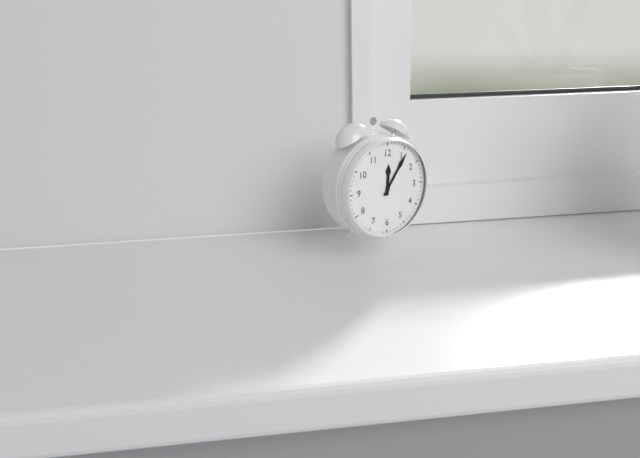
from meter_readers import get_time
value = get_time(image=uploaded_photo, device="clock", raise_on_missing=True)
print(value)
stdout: 12:06
